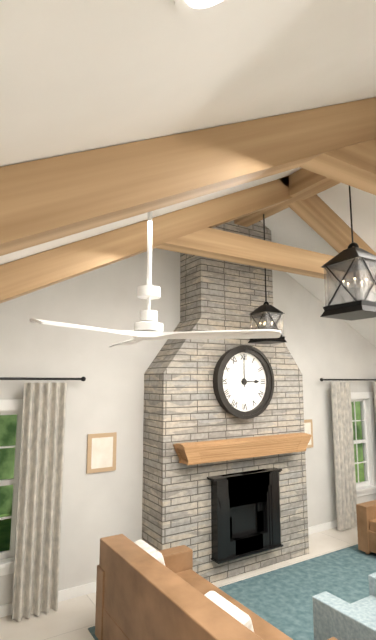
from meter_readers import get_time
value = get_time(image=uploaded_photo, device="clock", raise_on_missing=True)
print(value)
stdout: 3:00
